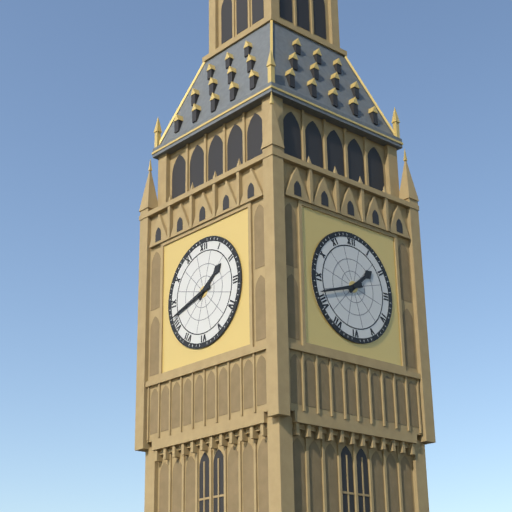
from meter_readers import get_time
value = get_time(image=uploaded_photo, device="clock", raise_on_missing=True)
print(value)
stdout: 1:42
